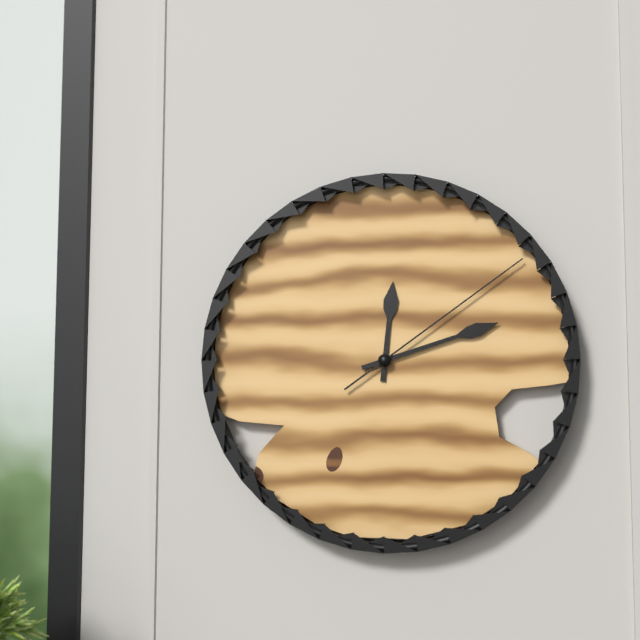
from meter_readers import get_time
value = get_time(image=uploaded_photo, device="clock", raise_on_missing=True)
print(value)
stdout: 12:12:09
